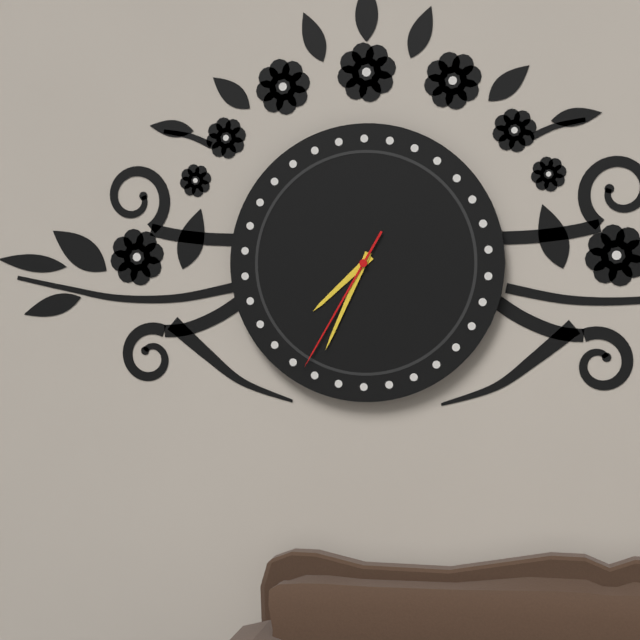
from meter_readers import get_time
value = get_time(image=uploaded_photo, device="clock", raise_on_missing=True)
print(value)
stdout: 7:34:35
